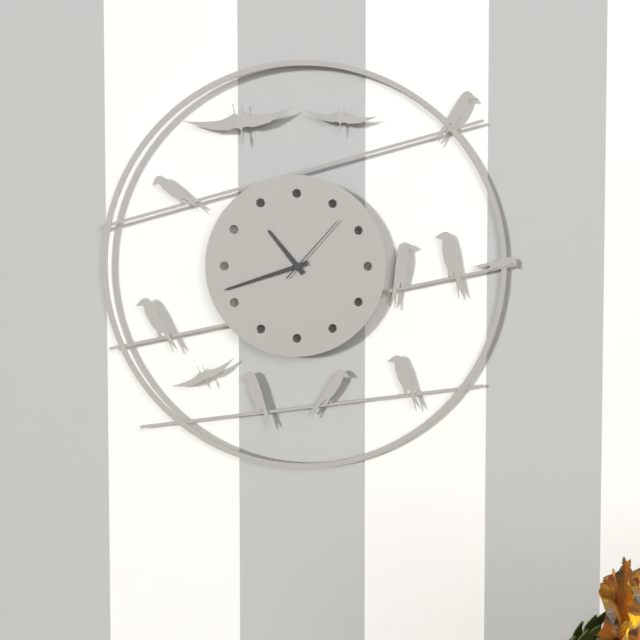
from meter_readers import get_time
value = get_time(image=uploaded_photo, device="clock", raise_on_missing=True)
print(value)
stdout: 10:42:07
